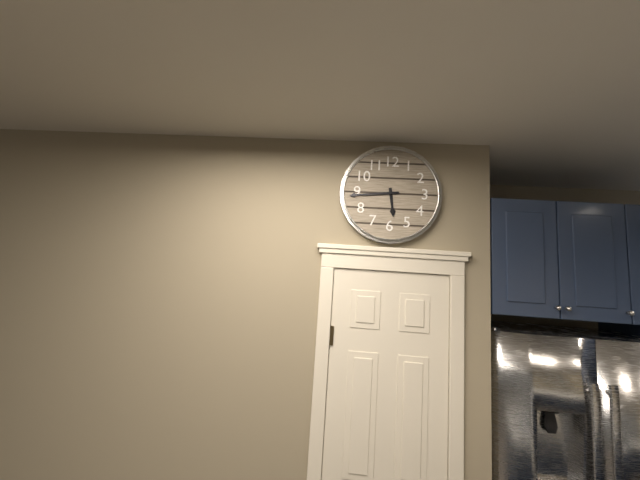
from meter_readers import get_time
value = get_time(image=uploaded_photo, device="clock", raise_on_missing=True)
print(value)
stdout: 5:44
